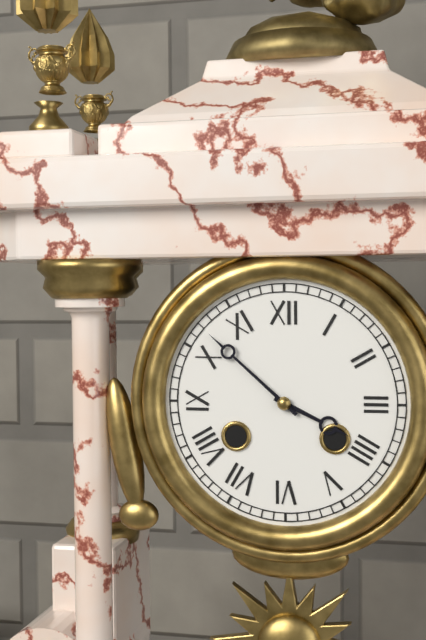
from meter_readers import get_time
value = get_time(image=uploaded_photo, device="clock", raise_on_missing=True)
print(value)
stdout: 3:52
